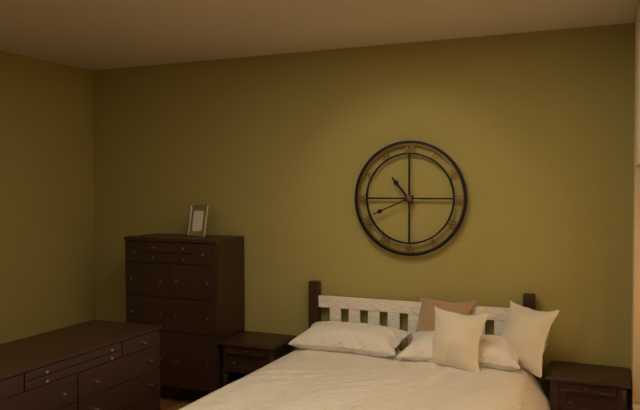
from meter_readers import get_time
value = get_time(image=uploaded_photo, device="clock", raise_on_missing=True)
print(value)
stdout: 10:41
